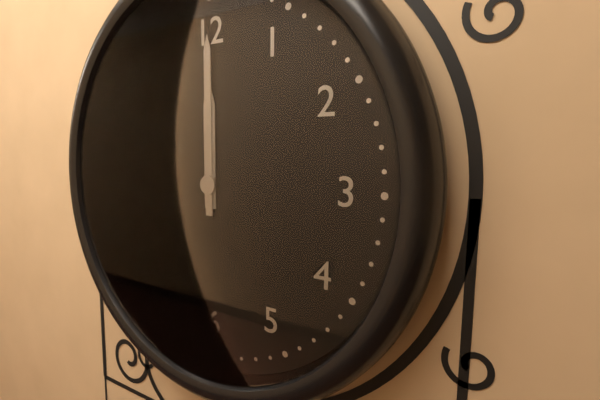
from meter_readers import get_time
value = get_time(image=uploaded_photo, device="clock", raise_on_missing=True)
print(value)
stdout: 12:00
